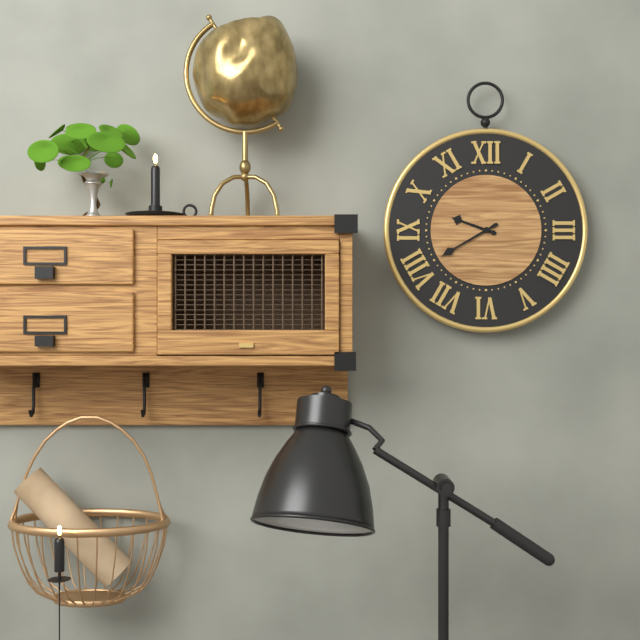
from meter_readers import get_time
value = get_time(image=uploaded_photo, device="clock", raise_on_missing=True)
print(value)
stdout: 9:40
